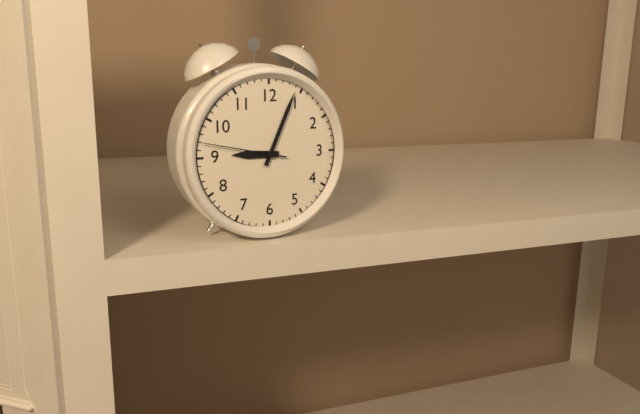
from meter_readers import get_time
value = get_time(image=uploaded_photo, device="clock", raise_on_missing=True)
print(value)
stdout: 9:04:47
